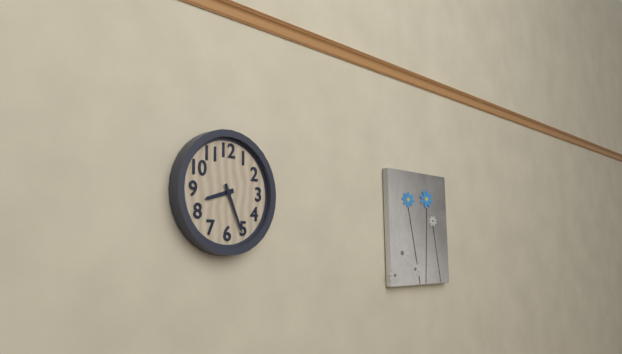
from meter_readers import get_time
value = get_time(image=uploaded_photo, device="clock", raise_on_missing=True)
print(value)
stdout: 8:26
